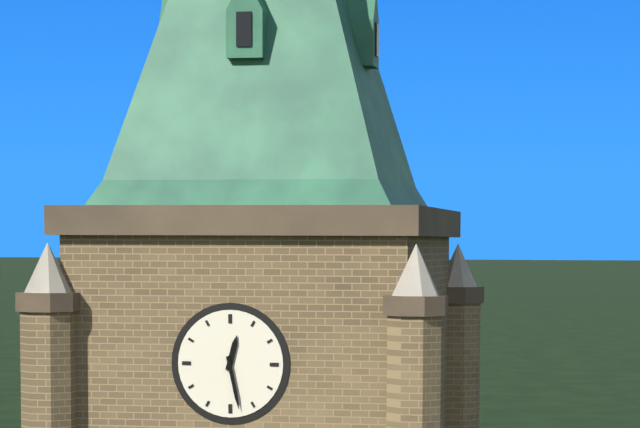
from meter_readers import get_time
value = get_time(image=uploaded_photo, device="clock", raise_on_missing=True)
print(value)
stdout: 12:28
